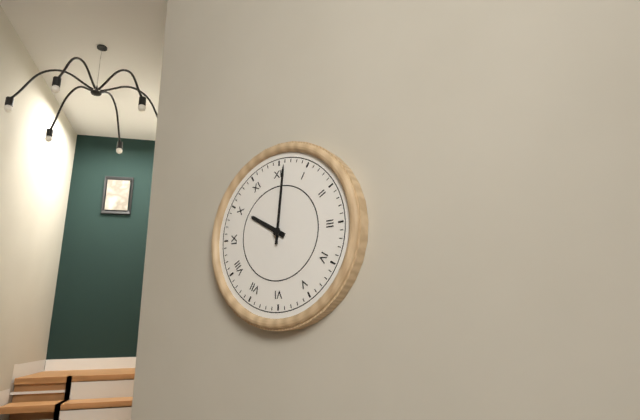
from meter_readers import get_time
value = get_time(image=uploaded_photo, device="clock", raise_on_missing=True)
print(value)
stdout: 10:01
